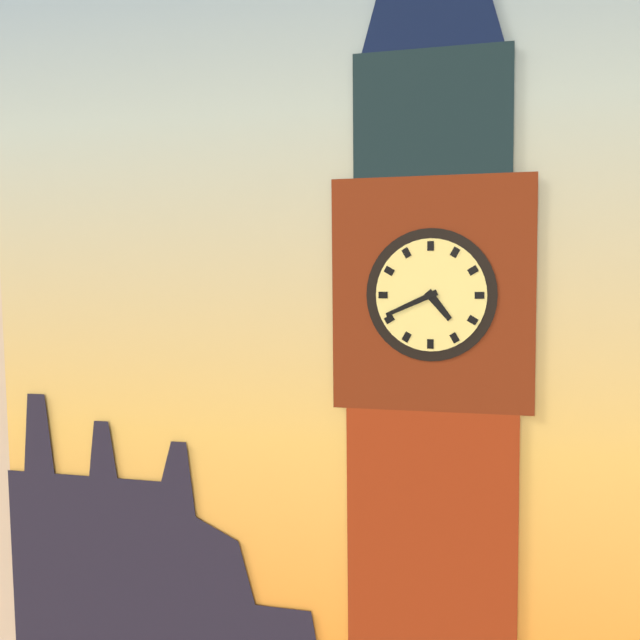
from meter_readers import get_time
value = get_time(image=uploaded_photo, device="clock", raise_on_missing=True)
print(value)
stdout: 4:41
